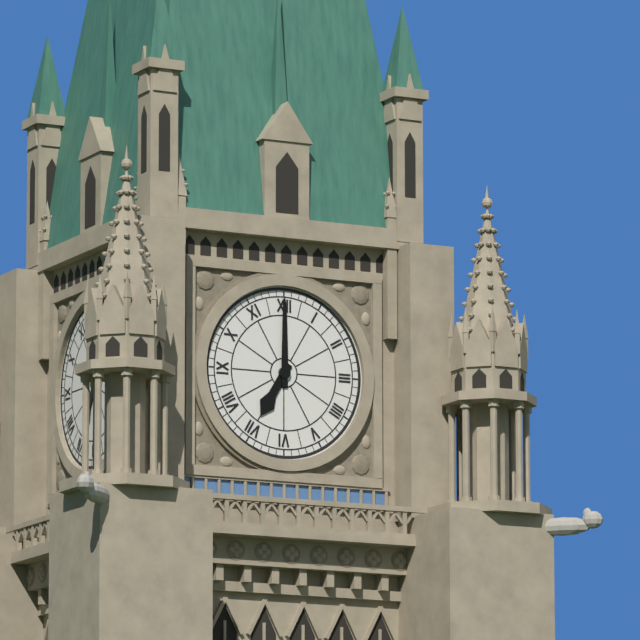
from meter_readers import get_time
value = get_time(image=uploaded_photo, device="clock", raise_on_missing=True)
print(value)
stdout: 7:00
